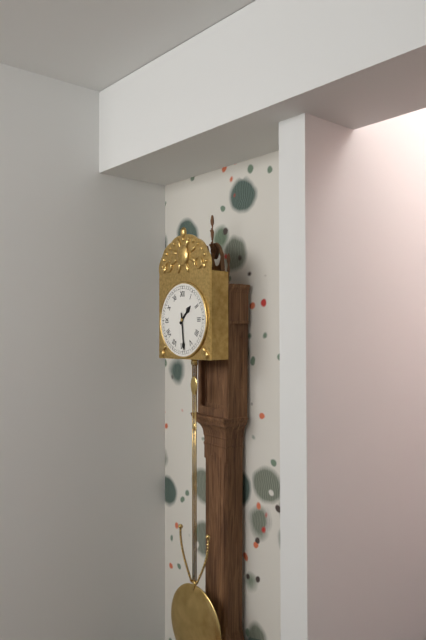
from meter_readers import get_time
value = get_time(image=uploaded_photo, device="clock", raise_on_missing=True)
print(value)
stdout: 1:29
